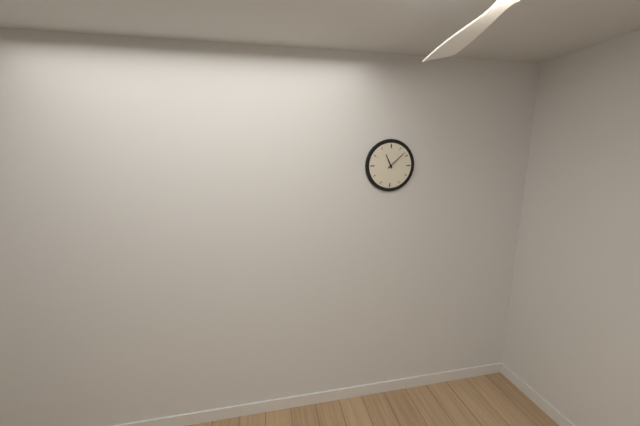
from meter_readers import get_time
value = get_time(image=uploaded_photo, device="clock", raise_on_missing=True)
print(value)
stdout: 11:08
